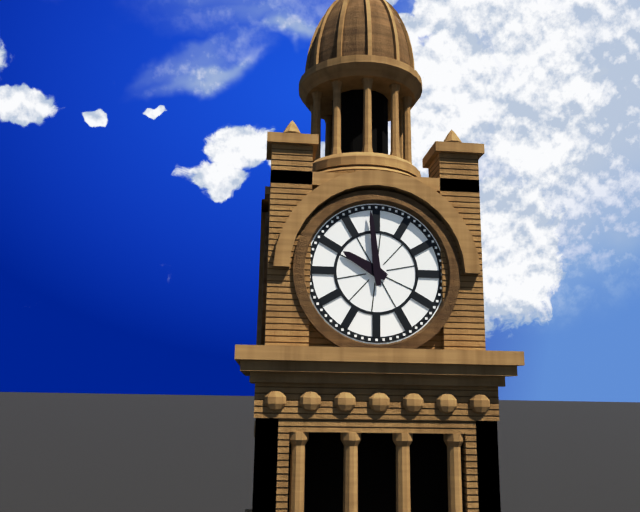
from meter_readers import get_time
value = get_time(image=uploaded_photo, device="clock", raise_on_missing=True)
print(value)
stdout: 9:59
